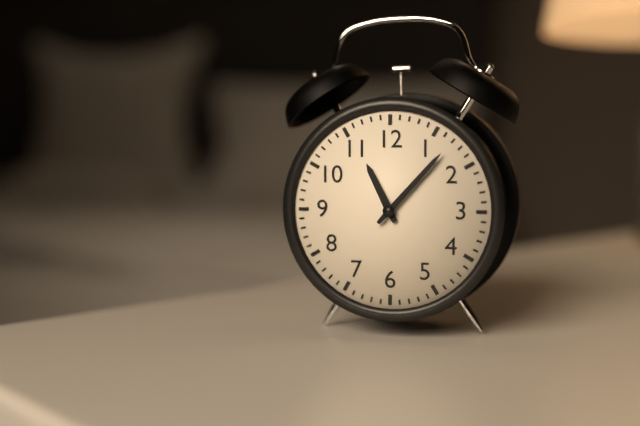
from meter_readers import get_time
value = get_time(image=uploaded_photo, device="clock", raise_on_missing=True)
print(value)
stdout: 11:07
